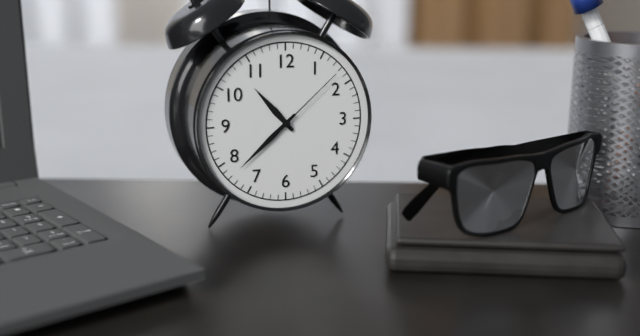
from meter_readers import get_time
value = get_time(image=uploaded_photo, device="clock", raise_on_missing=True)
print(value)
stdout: 10:38:08
